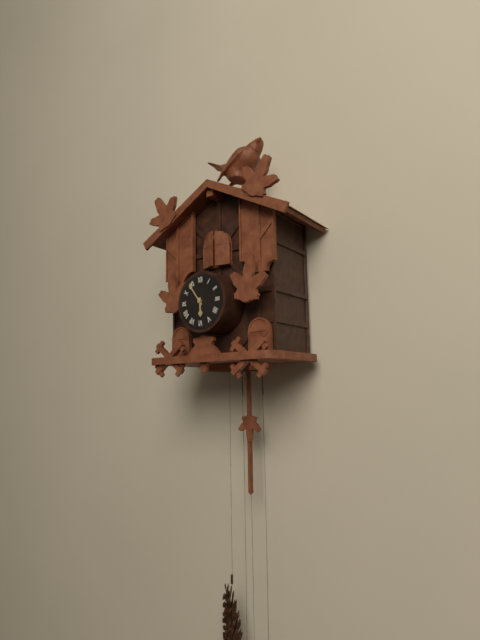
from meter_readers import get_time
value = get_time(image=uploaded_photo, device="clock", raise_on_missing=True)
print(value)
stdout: 5:54
